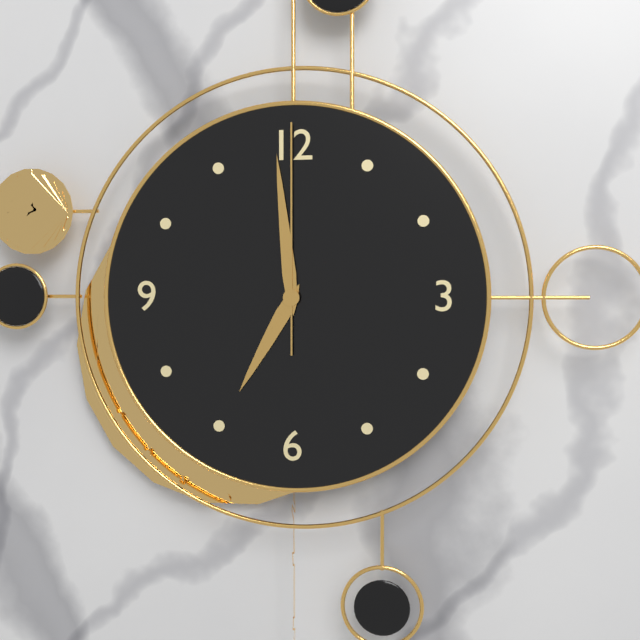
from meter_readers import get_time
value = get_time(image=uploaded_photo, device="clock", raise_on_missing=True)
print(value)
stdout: 6:59:00
